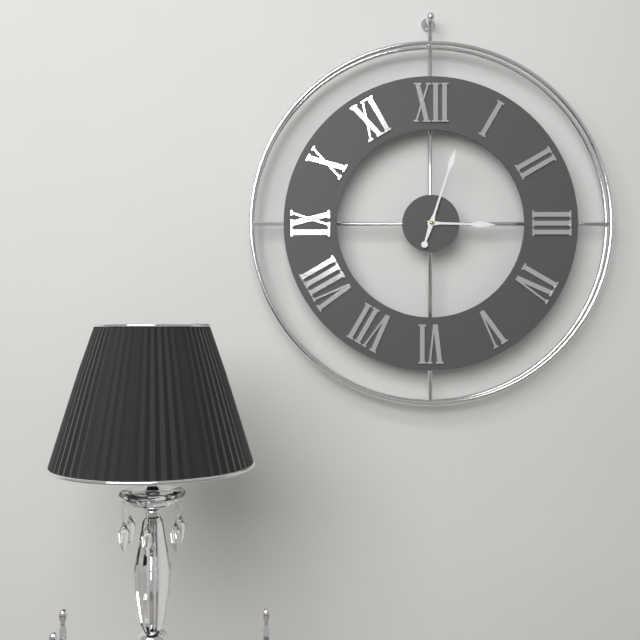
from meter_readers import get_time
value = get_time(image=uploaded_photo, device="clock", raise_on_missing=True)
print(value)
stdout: 3:03
